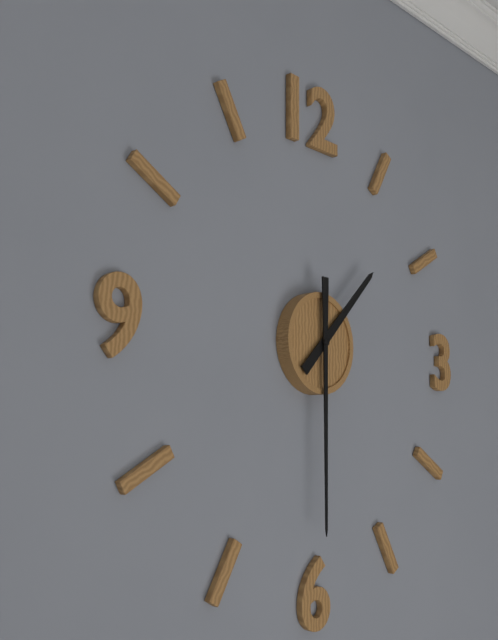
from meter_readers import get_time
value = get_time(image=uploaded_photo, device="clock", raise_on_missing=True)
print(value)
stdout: 1:30
